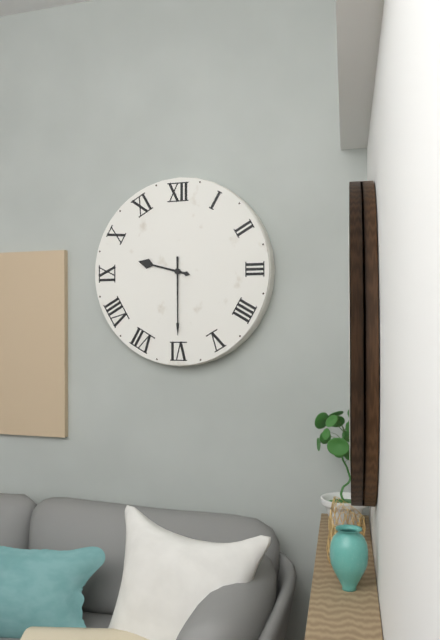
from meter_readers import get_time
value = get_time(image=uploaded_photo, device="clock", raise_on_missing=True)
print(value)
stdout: 9:30
